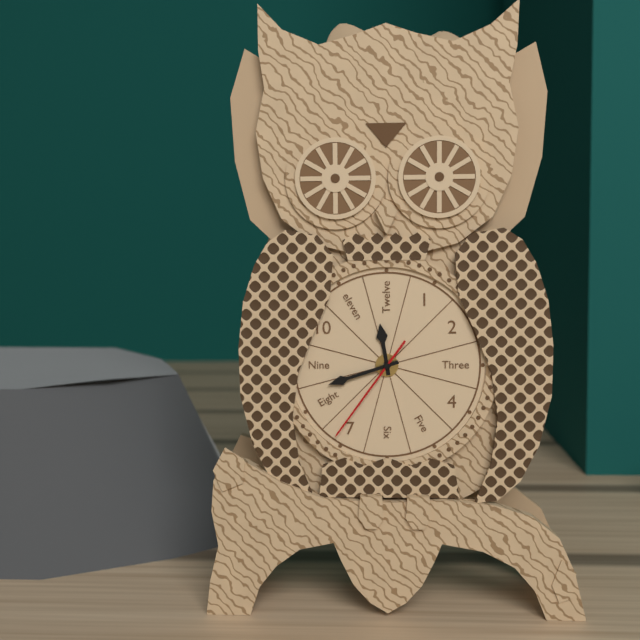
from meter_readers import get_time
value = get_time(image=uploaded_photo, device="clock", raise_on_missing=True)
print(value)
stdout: 11:42:36
